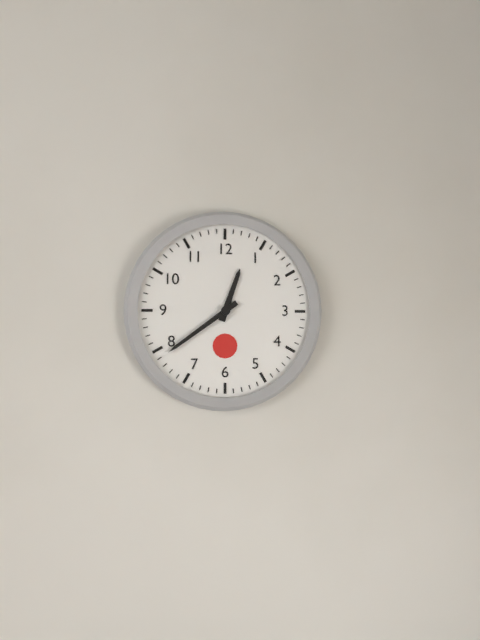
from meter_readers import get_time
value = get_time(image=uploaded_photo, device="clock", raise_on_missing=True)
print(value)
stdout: 12:39
